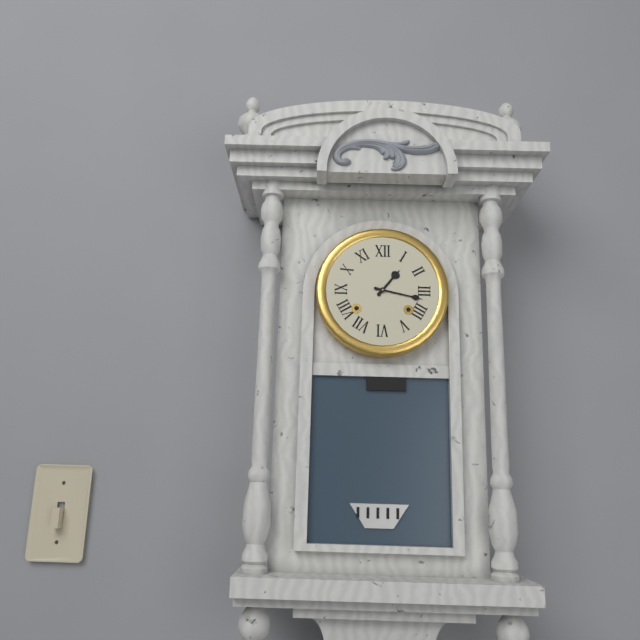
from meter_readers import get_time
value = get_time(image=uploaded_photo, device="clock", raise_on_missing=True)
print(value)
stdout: 1:17
